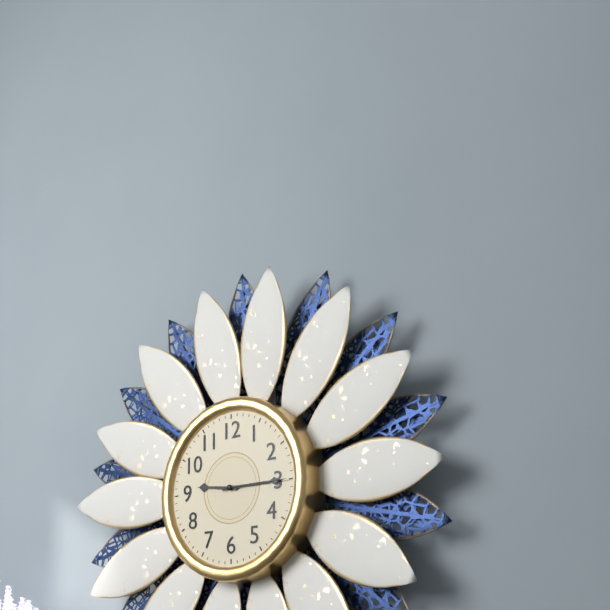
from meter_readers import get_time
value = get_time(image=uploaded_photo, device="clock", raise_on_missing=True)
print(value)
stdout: 9:15:15
